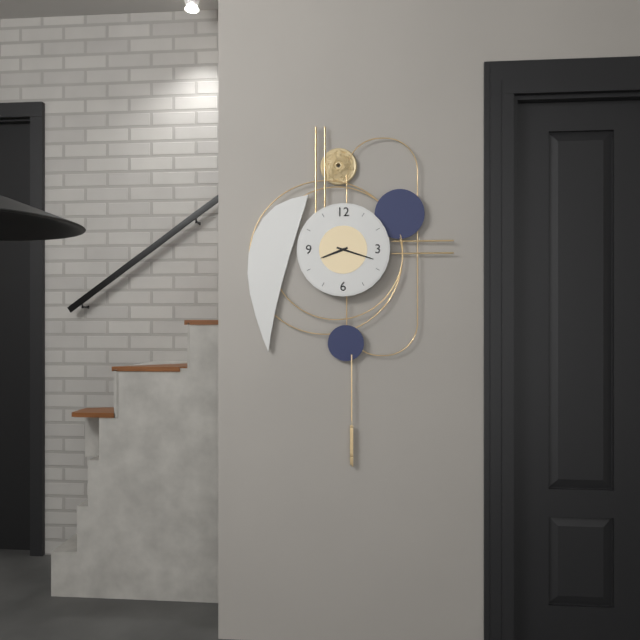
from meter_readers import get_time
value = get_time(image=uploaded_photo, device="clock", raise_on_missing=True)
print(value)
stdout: 8:18
